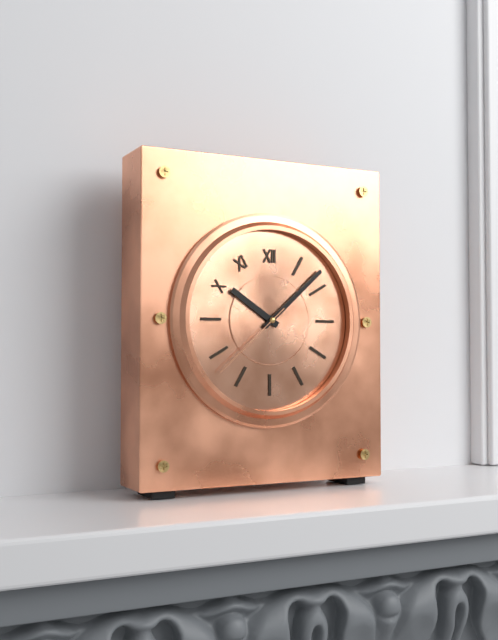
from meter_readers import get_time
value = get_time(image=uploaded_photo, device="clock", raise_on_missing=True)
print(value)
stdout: 10:08:38
